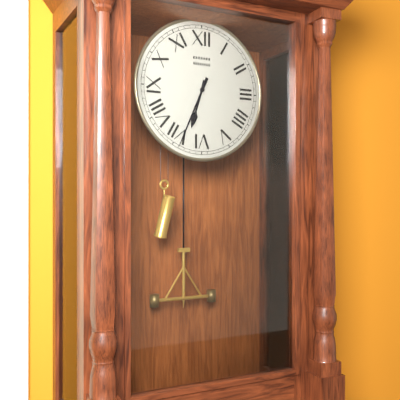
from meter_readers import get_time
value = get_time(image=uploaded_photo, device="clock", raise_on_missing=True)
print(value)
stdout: 6:34
